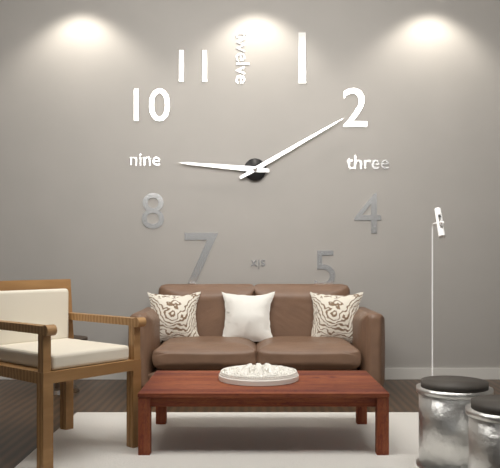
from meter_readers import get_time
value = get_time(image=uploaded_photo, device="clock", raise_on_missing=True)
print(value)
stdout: 9:10
